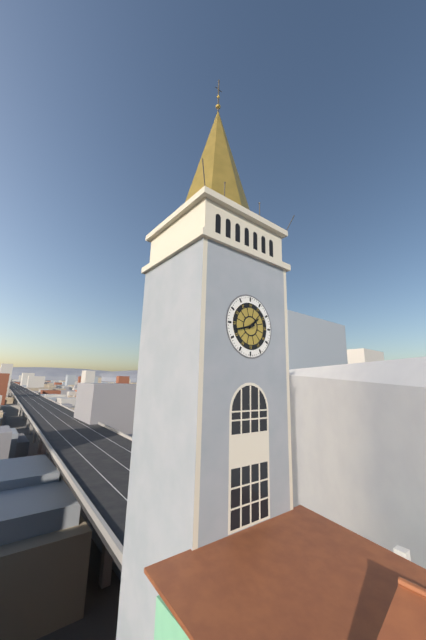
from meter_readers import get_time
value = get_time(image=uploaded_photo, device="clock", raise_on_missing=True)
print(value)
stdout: 1:42
